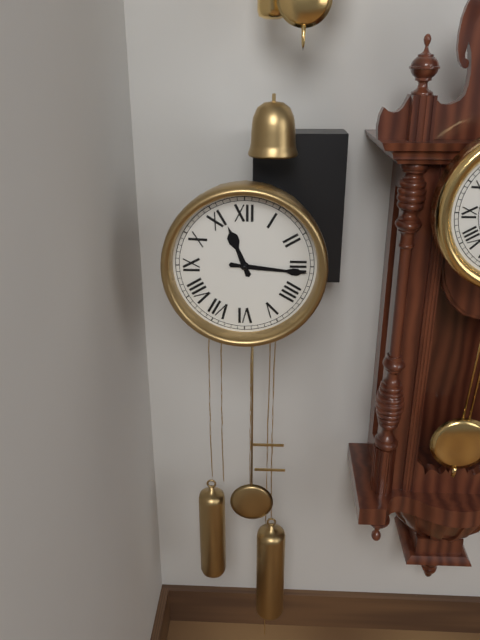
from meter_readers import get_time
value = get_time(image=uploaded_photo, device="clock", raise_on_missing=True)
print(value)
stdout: 11:16
